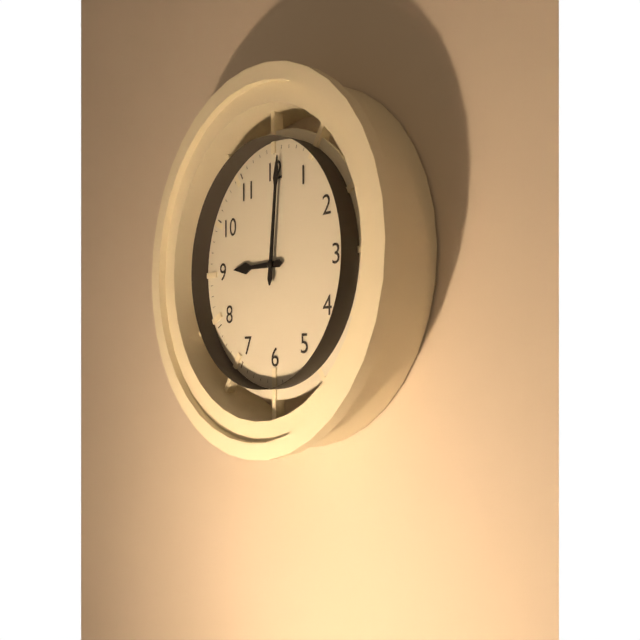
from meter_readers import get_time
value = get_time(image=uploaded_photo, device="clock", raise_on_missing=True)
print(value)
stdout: 9:01
